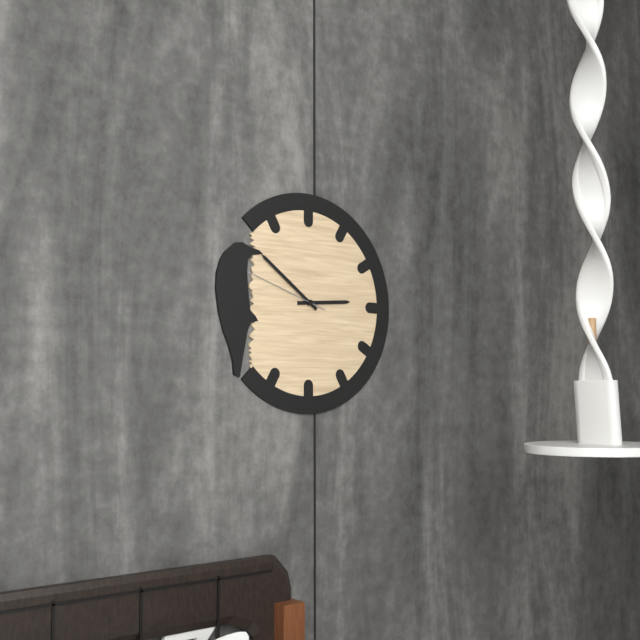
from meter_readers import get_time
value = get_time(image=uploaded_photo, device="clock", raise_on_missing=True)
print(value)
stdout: 2:51:48
